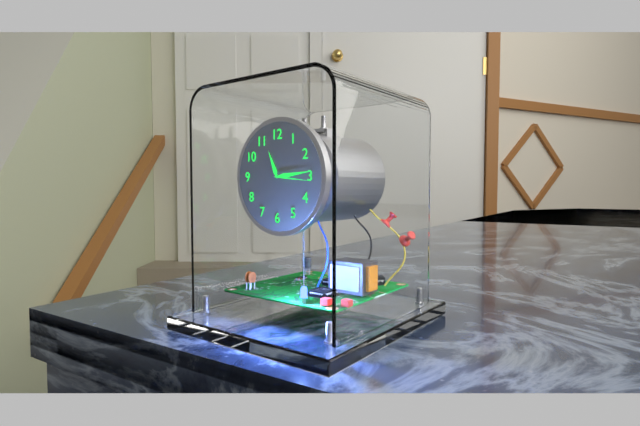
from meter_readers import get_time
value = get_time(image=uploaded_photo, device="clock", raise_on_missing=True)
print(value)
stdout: 11:14
